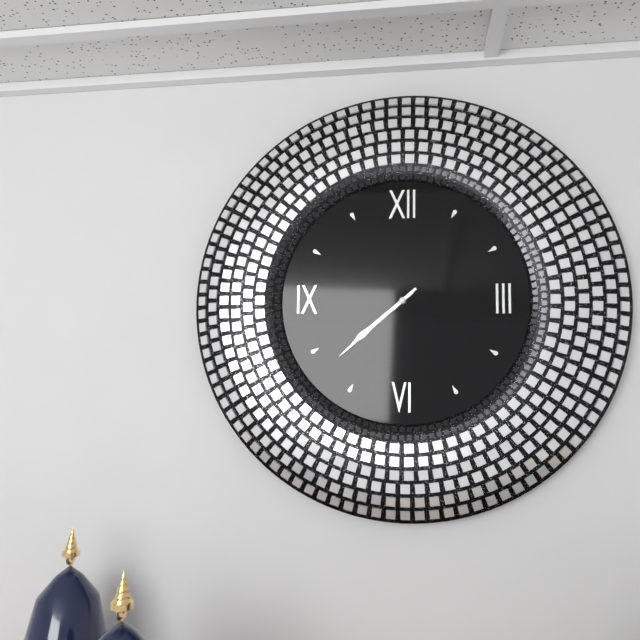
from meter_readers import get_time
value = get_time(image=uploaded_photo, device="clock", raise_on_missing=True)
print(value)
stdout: 7:38
